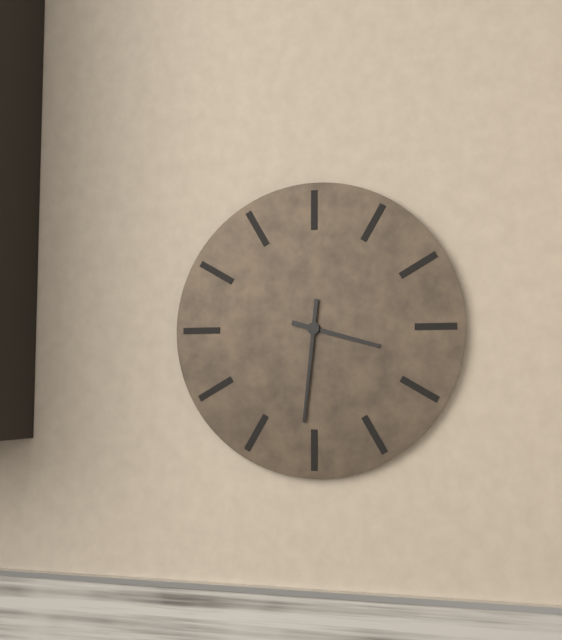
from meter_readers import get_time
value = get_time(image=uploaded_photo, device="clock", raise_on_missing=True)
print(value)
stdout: 3:31
